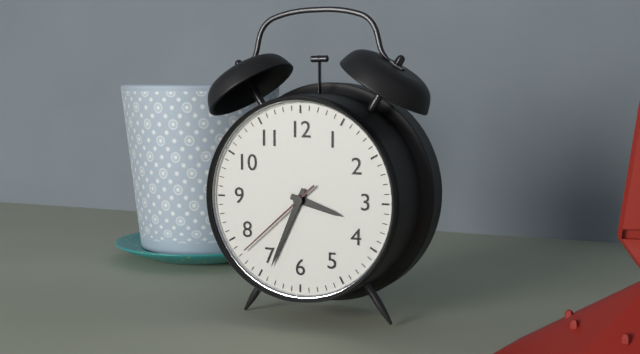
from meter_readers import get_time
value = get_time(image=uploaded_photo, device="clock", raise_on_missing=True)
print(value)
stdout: 3:34:38
